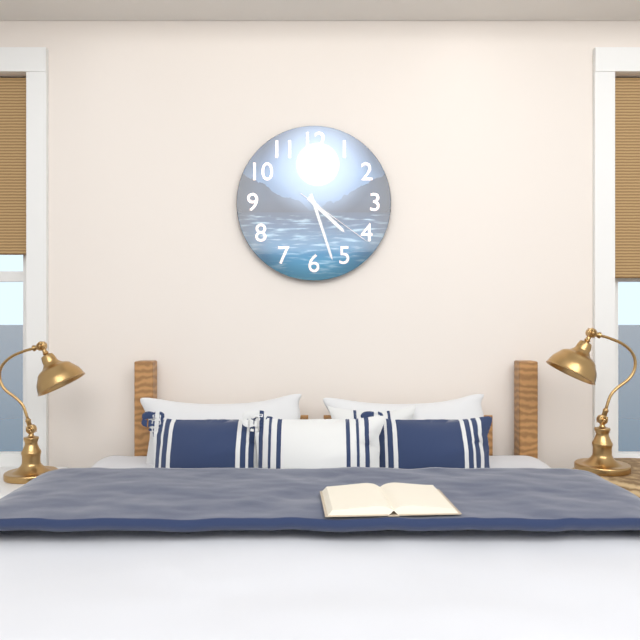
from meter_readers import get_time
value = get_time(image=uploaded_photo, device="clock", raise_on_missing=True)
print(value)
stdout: 4:27:21
